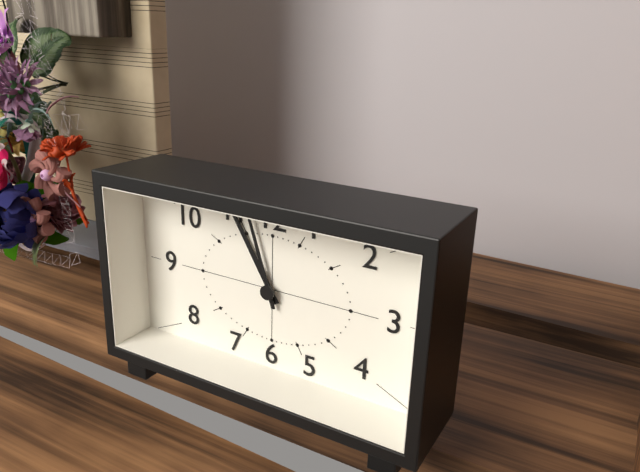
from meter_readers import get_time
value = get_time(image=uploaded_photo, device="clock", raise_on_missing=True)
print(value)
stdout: 10:57
